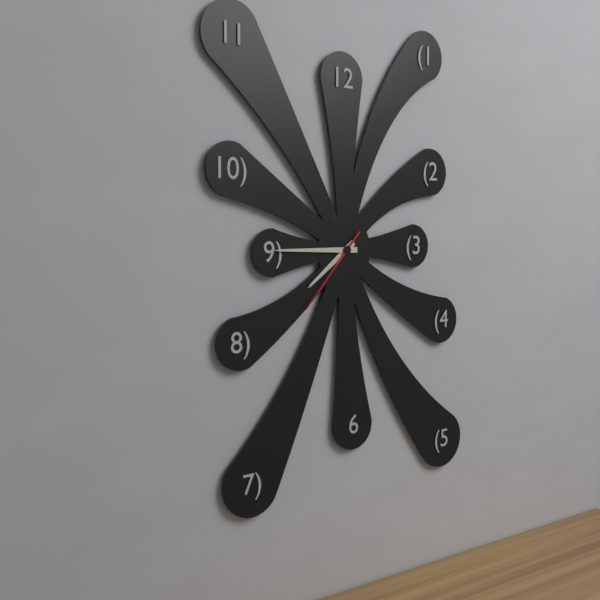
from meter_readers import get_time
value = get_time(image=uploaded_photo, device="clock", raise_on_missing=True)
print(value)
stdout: 7:45:37
